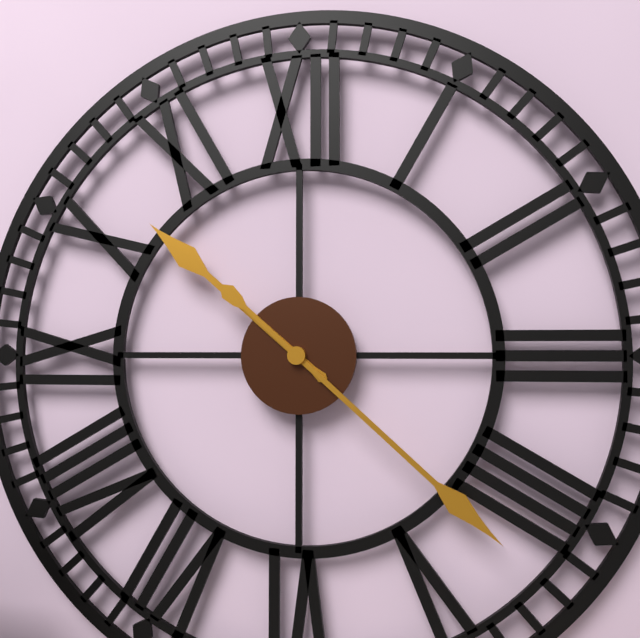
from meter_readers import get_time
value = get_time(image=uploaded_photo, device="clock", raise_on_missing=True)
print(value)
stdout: 10:22
